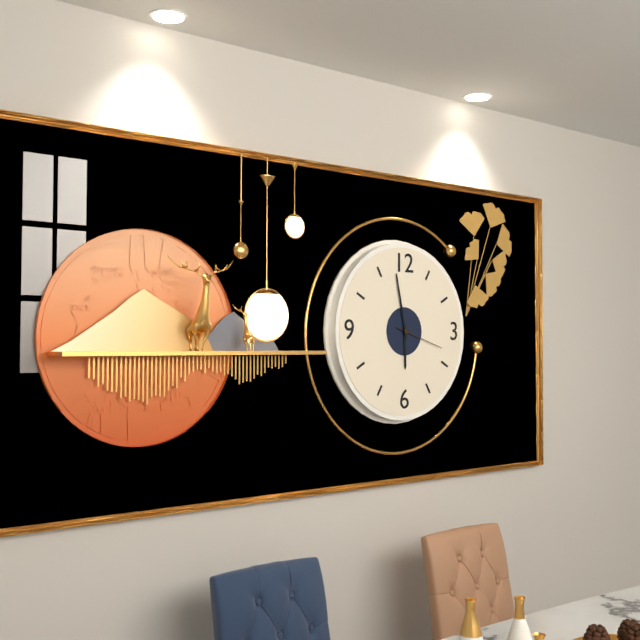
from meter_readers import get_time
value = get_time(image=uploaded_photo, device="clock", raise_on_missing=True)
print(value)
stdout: 5:58
